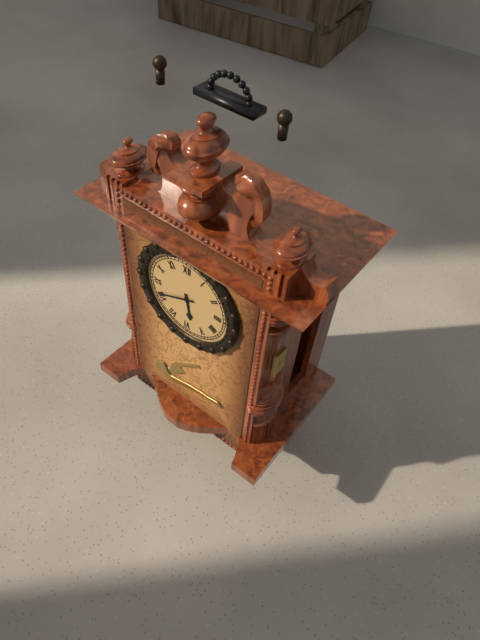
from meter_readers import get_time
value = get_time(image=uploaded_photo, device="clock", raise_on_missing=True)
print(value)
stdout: 5:41
